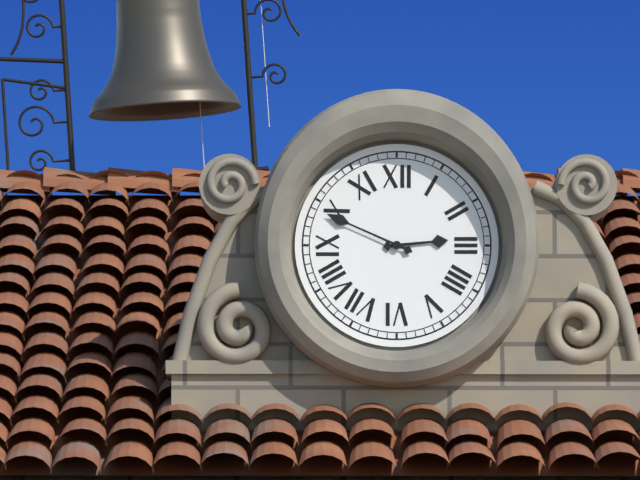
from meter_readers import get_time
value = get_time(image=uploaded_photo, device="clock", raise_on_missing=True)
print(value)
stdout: 2:49
